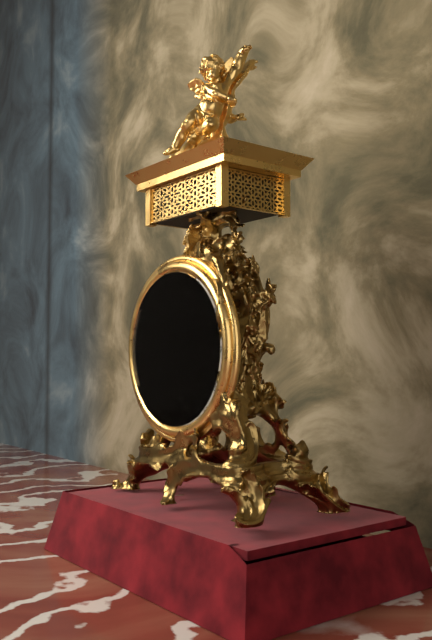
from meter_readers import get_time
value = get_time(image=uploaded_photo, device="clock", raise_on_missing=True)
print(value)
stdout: 6:44
